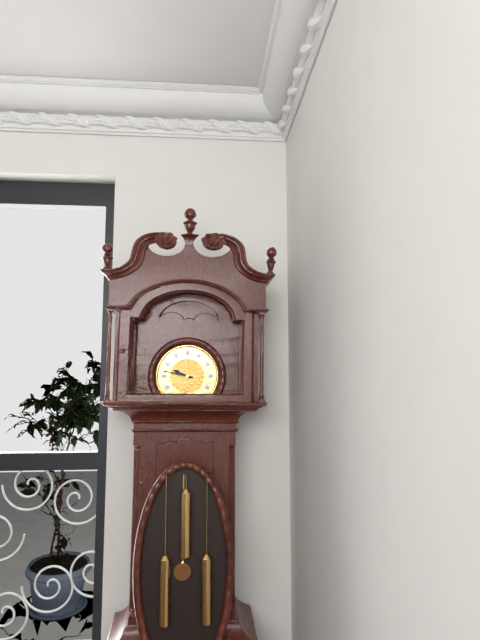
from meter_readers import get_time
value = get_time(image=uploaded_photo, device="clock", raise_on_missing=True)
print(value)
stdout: 9:47
